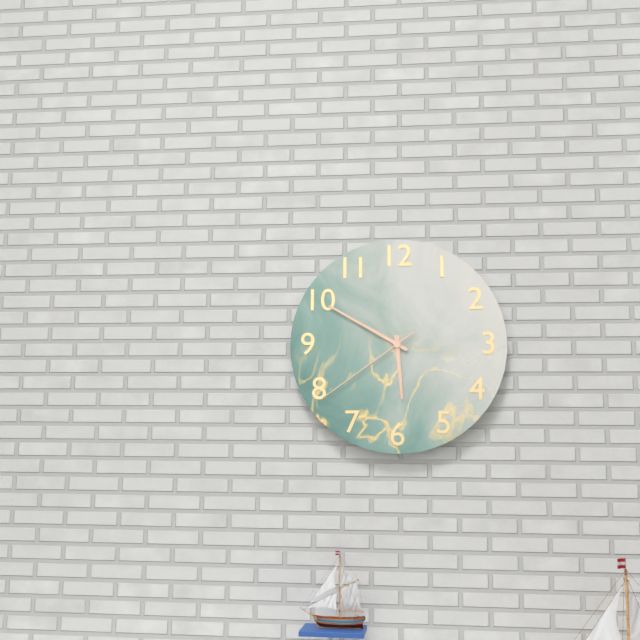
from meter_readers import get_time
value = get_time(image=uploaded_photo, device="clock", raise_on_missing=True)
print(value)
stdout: 5:50:39
